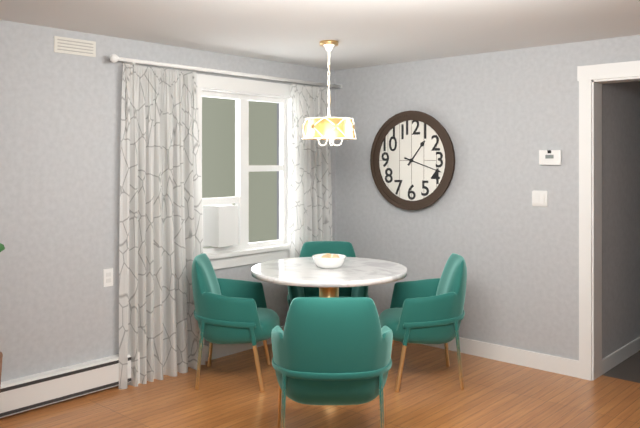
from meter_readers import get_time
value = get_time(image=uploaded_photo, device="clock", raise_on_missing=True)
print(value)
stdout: 1:18
